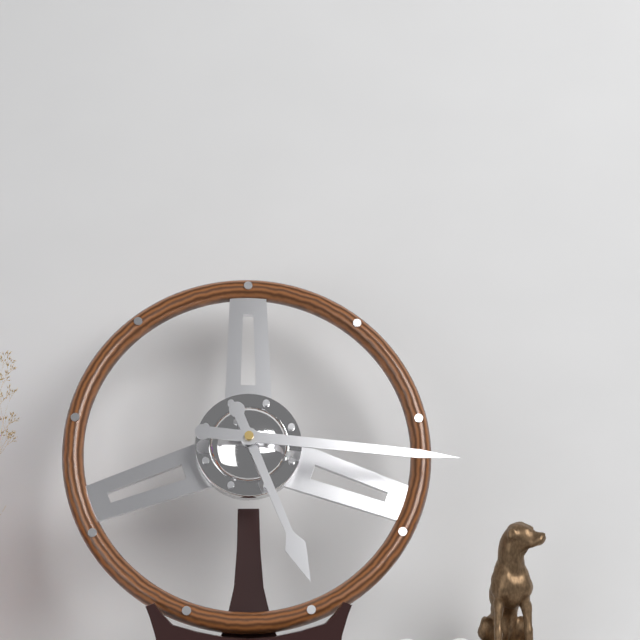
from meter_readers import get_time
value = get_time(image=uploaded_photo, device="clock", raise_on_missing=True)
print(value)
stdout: 5:16
